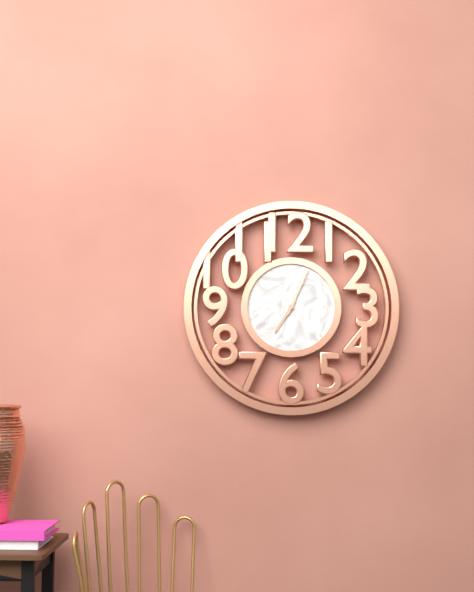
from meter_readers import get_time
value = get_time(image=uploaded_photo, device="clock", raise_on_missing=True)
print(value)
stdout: 7:04
